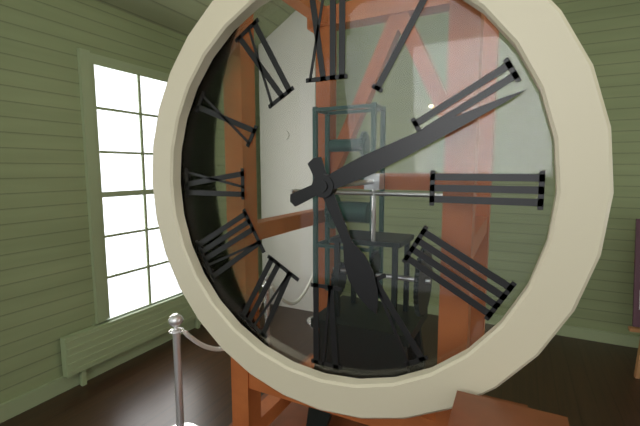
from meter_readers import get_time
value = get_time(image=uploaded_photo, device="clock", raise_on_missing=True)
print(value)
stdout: 5:11
